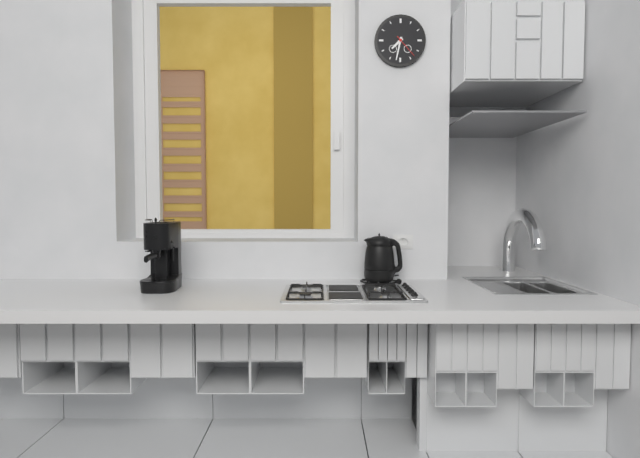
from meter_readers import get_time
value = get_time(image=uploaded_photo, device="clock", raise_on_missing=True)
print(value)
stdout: 7:32
